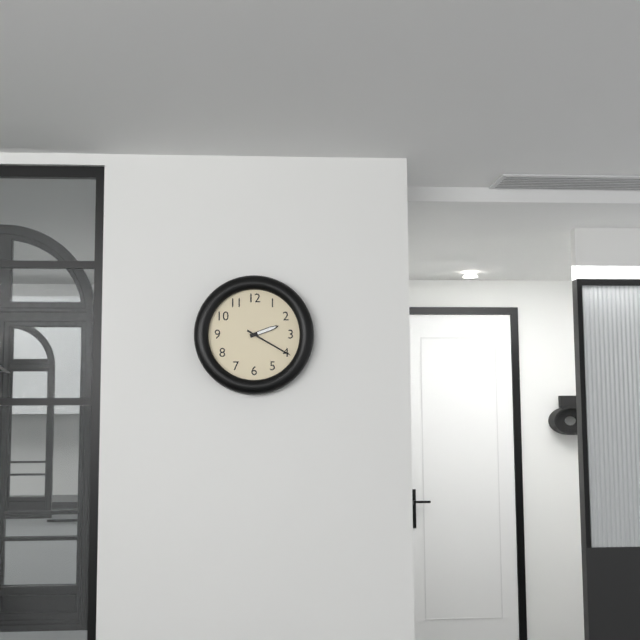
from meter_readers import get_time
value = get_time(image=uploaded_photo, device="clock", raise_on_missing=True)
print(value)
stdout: 2:20
